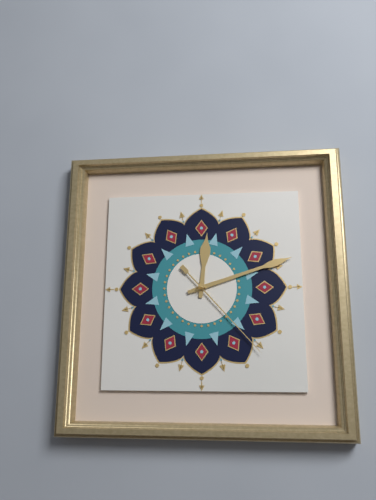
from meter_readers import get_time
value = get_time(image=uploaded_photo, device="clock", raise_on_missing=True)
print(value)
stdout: 12:12:23
